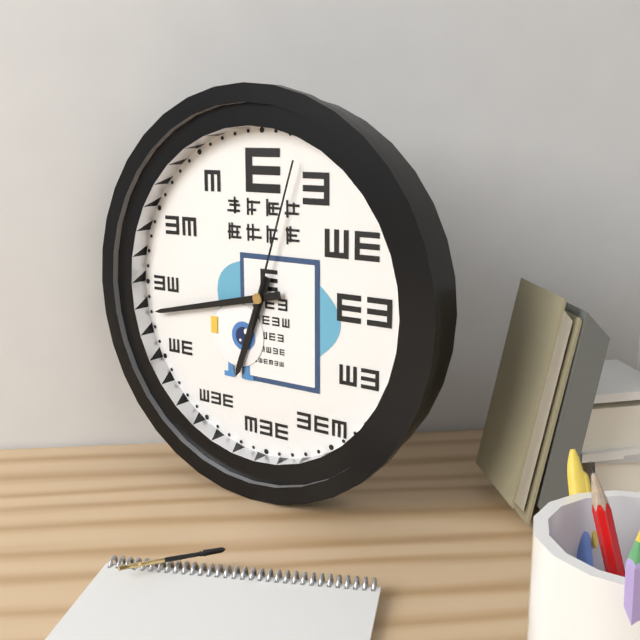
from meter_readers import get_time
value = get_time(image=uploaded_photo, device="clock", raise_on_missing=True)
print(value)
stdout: 6:43:03
